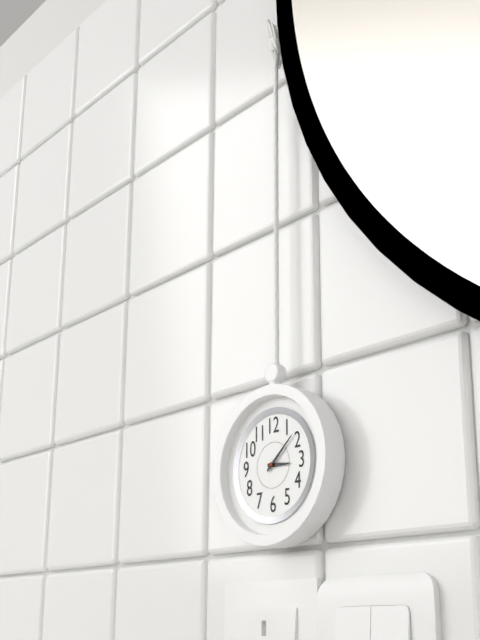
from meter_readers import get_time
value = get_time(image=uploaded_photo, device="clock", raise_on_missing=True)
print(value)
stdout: 3:08
